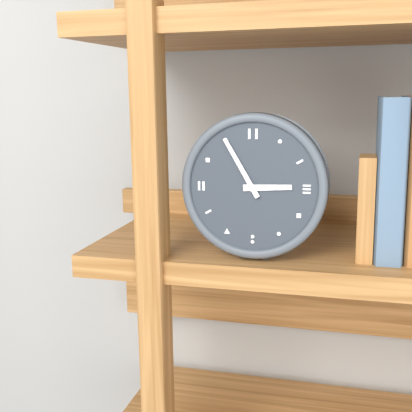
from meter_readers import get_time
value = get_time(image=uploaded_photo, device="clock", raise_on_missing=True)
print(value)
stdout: 2:55
